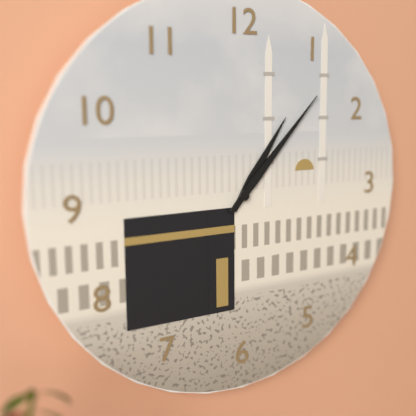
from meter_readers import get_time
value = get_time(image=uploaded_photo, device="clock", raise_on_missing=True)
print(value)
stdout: 1:07
